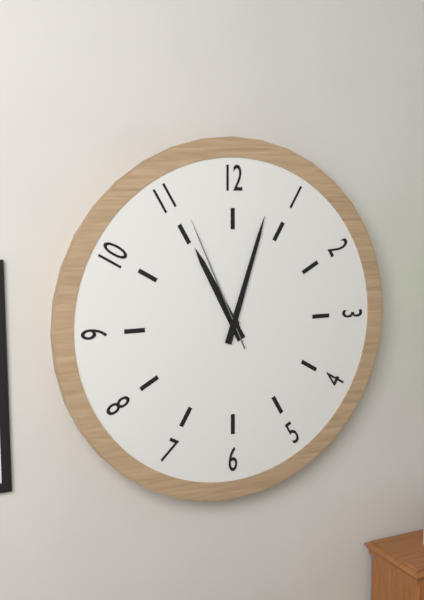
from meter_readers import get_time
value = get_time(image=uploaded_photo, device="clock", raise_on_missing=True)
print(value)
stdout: 11:03:56
